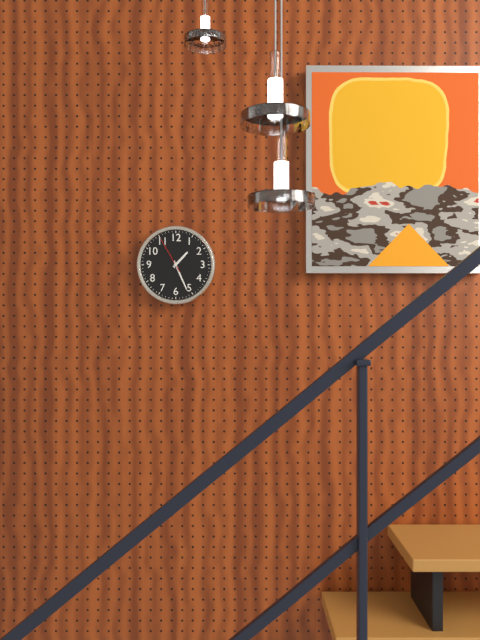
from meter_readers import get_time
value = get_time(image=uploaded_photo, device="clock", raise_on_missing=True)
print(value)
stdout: 1:26
